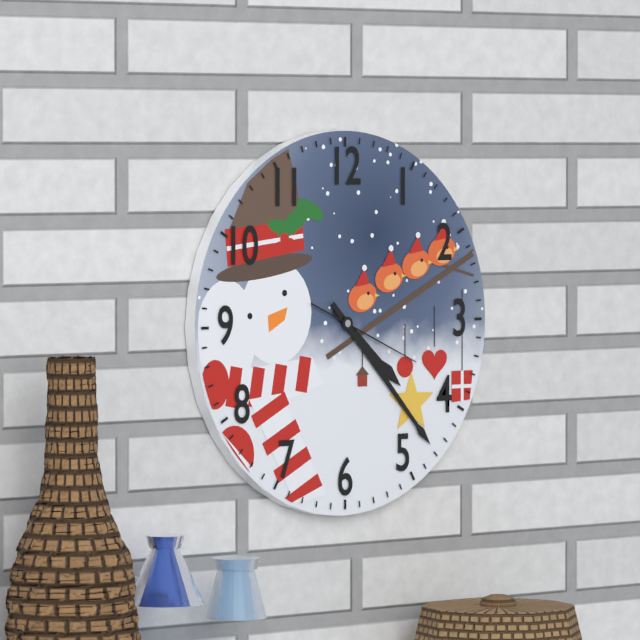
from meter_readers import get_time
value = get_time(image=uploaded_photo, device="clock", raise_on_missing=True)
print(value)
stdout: 4:23:19
